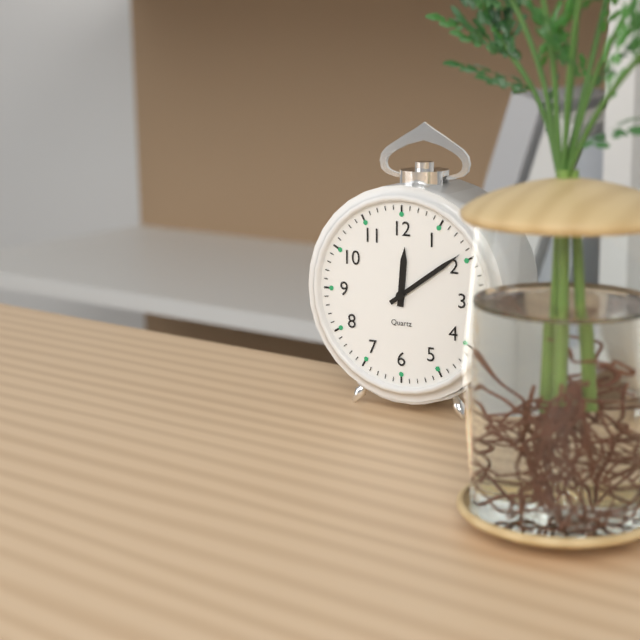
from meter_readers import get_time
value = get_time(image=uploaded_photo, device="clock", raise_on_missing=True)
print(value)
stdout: 12:09
